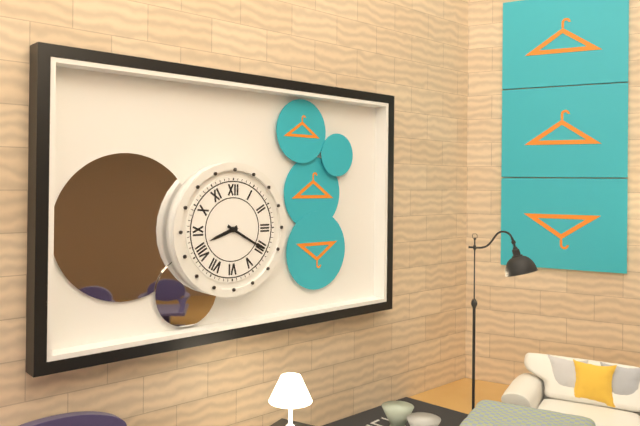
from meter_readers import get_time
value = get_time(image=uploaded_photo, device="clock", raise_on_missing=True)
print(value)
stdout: 8:20
